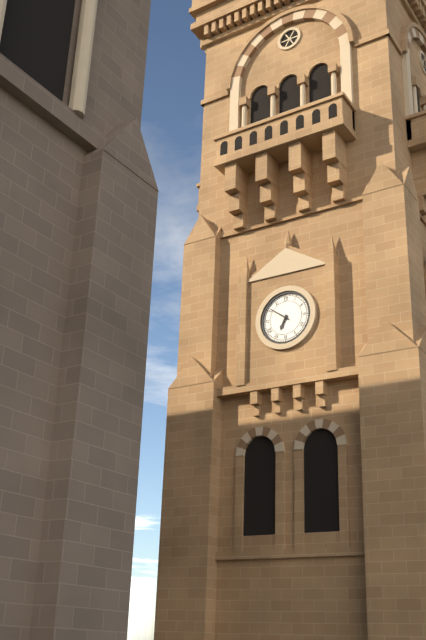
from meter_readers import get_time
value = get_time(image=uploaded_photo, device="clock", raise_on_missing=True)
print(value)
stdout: 6:51
